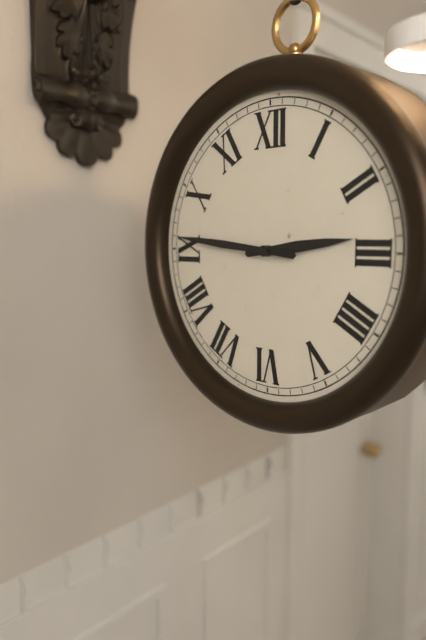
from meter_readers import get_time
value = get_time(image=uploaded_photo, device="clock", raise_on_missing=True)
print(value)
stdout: 2:46
